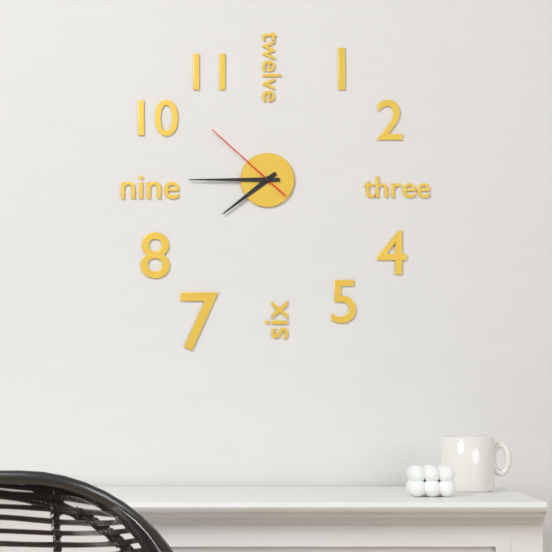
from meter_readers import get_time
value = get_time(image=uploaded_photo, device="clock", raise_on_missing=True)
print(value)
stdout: 7:45:52
